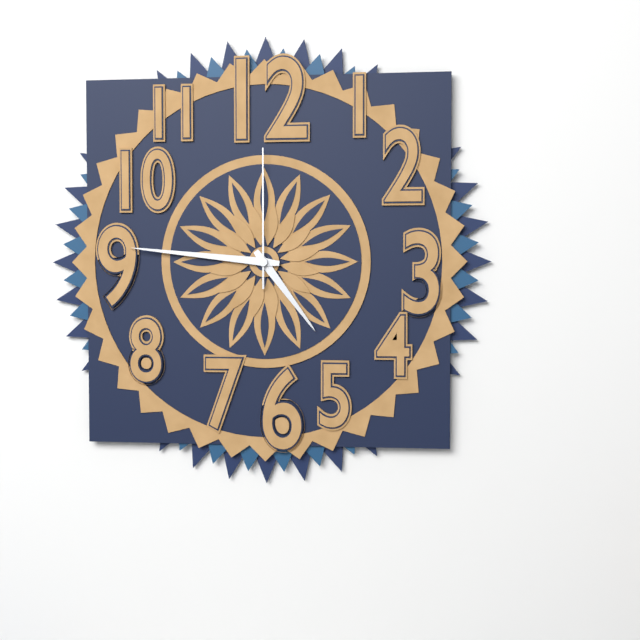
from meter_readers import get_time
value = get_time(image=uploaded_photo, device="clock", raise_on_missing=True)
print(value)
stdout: 4:46:00
